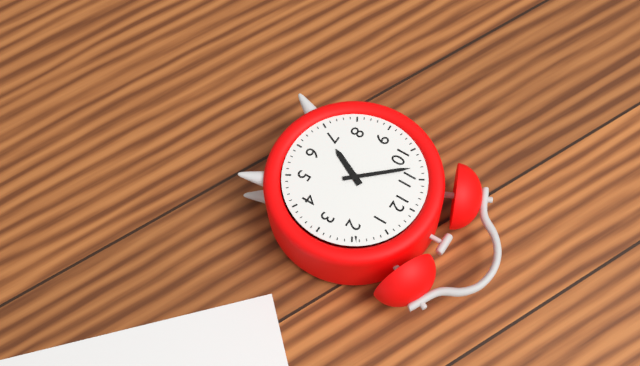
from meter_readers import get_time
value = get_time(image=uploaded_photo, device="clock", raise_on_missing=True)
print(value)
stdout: 6:53
